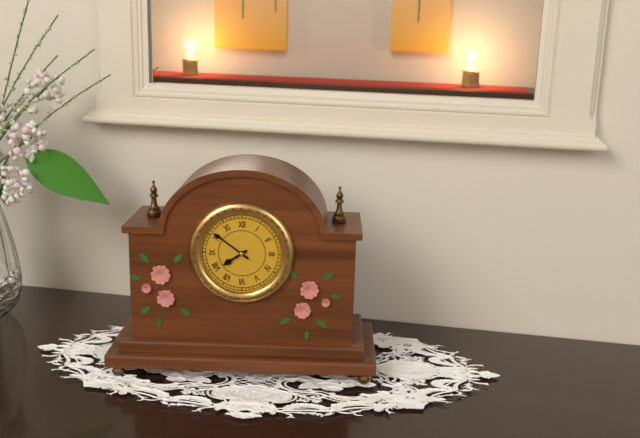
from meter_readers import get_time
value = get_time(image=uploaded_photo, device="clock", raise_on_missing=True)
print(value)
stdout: 7:51
